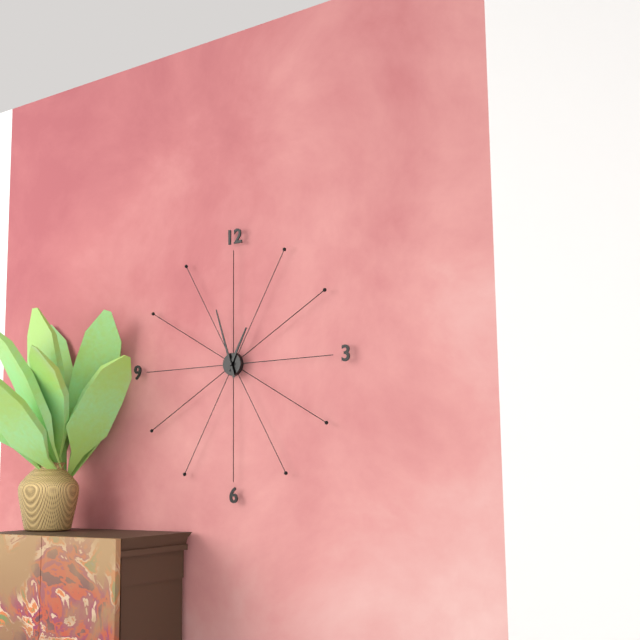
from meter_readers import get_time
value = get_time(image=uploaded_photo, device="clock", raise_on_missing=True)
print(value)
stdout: 12:57
